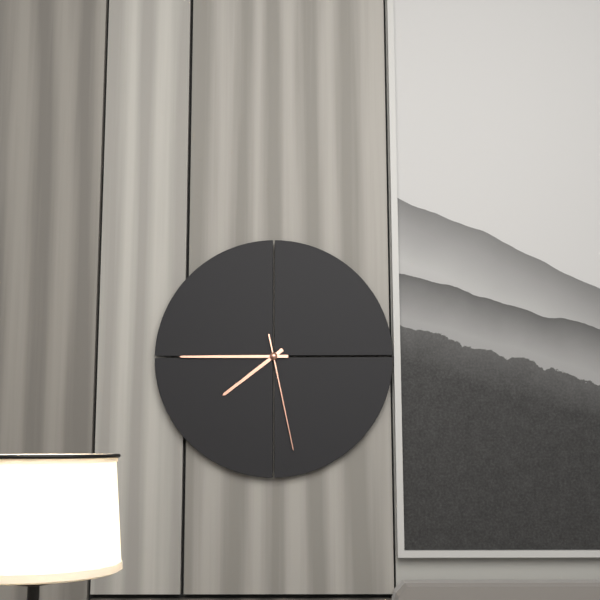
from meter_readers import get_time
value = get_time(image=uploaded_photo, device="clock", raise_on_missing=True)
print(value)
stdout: 7:45:28
